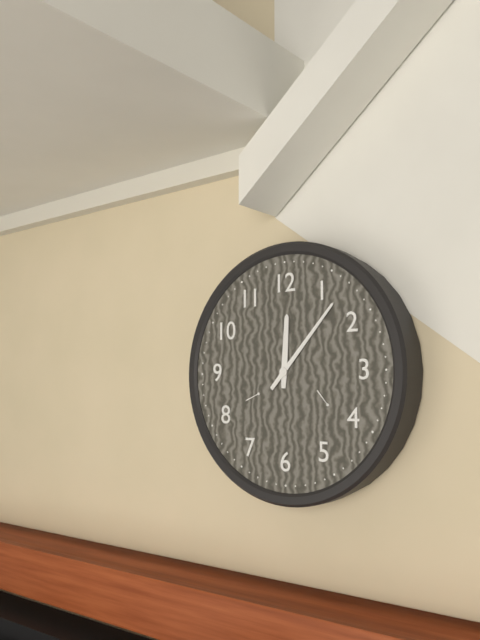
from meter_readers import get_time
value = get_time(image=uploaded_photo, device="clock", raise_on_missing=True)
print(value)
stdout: 12:07
